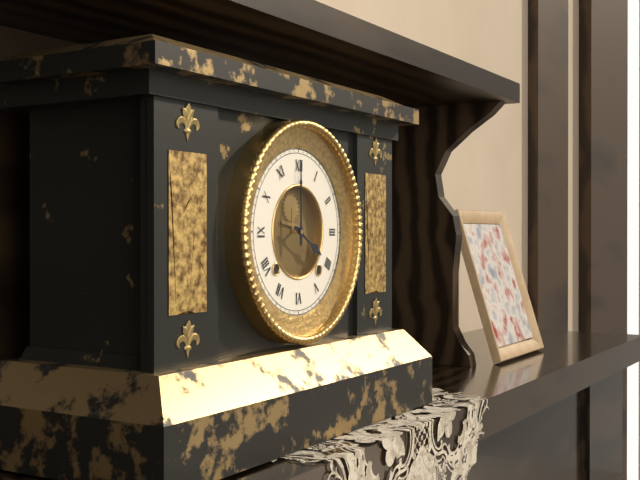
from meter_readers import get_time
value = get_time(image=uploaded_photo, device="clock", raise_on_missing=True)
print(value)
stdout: 4:00
